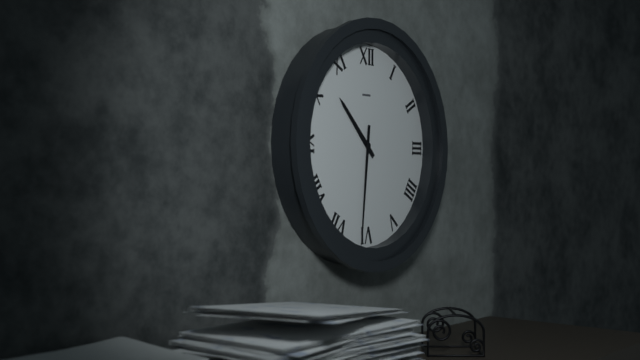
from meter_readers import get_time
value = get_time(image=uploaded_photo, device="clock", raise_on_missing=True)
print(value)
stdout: 10:31
